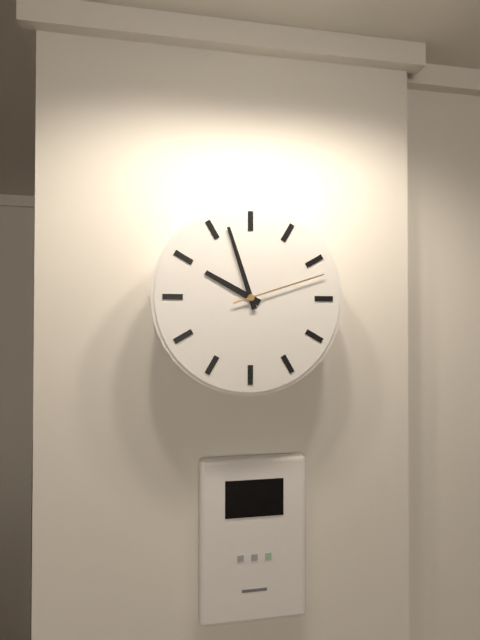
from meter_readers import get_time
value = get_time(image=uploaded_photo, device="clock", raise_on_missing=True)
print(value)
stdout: 9:57:12
